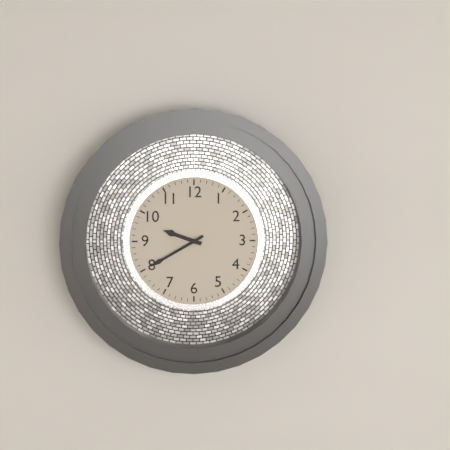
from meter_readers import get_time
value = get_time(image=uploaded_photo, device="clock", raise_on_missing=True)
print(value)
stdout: 9:40
